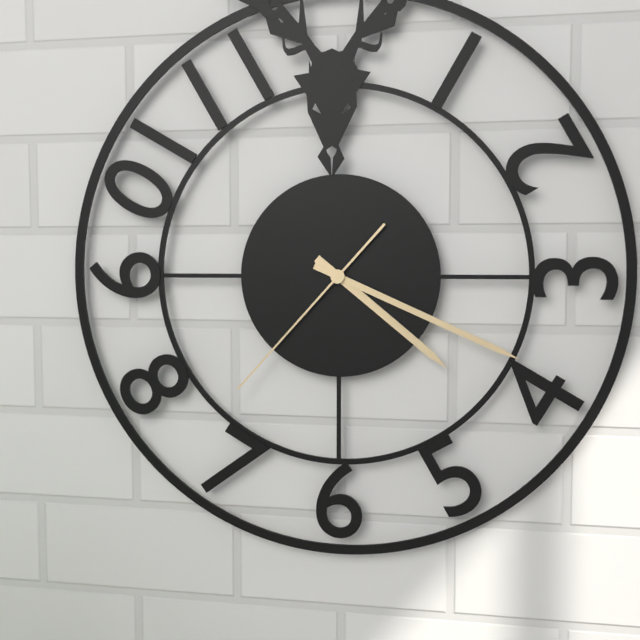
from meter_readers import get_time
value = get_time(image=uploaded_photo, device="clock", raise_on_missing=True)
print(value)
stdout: 4:19:37
